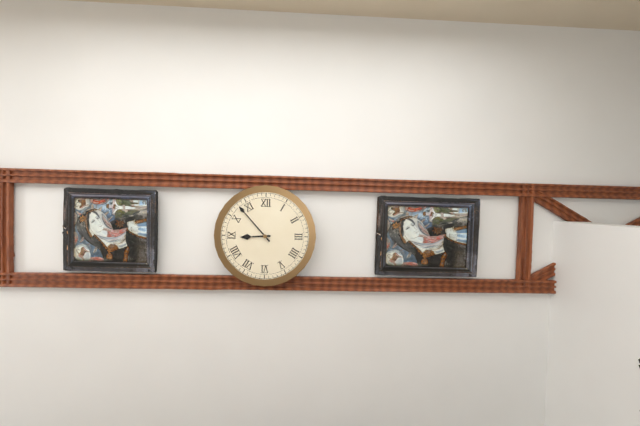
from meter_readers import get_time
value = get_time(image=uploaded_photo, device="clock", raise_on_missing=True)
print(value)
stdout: 8:53
